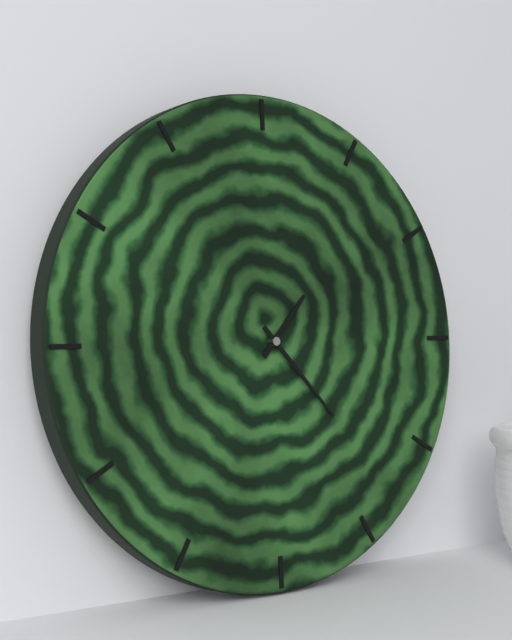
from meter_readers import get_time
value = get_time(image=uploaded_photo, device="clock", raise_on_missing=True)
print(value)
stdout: 1:23
